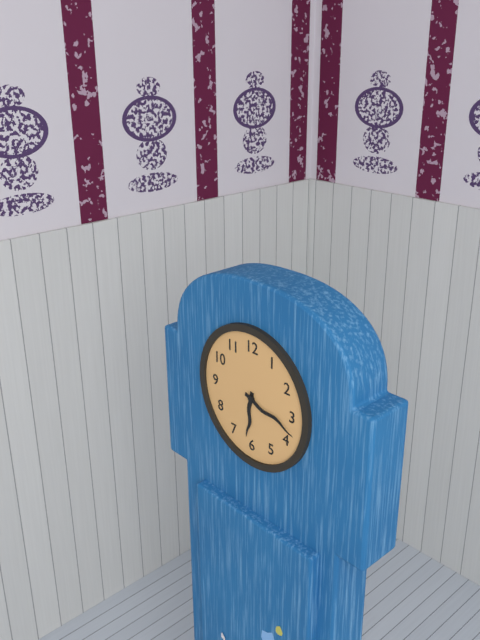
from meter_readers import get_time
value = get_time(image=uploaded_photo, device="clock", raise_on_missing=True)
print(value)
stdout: 6:18
